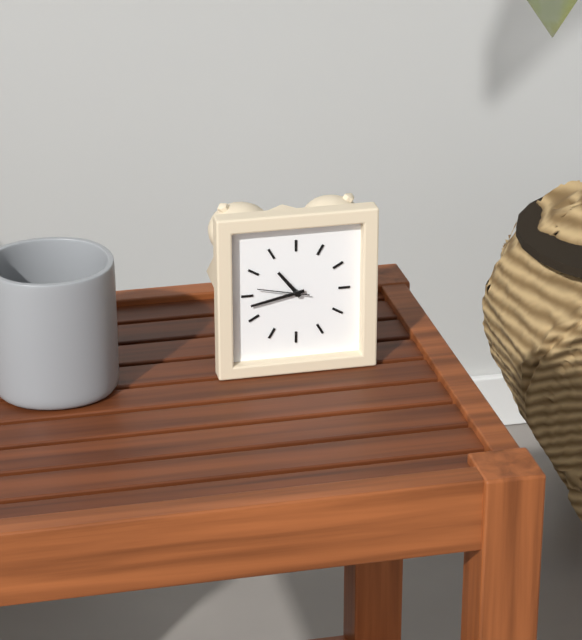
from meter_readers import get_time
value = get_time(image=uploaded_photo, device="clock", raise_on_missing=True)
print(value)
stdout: 10:43
